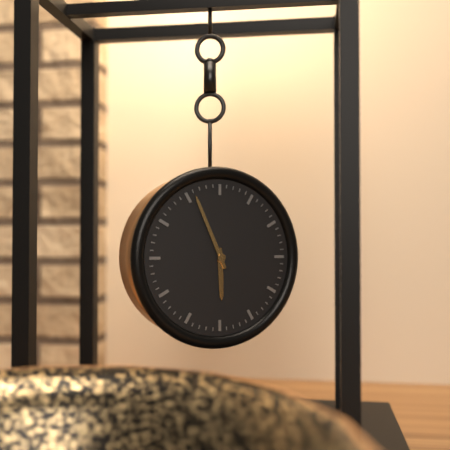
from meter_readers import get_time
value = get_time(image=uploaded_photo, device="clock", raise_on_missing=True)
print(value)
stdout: 5:56
